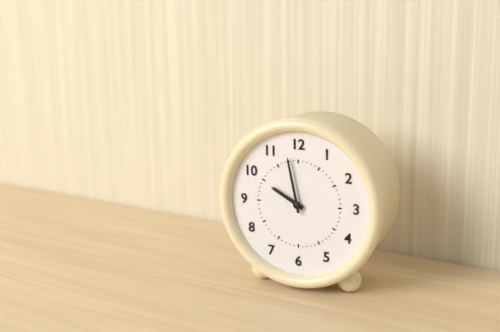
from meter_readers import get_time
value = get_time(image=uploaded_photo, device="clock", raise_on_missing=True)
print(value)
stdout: 9:58
